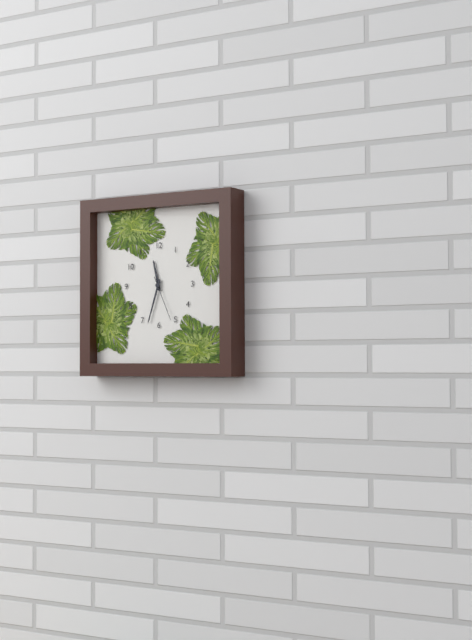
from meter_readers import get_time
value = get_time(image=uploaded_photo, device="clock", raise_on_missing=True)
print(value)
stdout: 11:33
